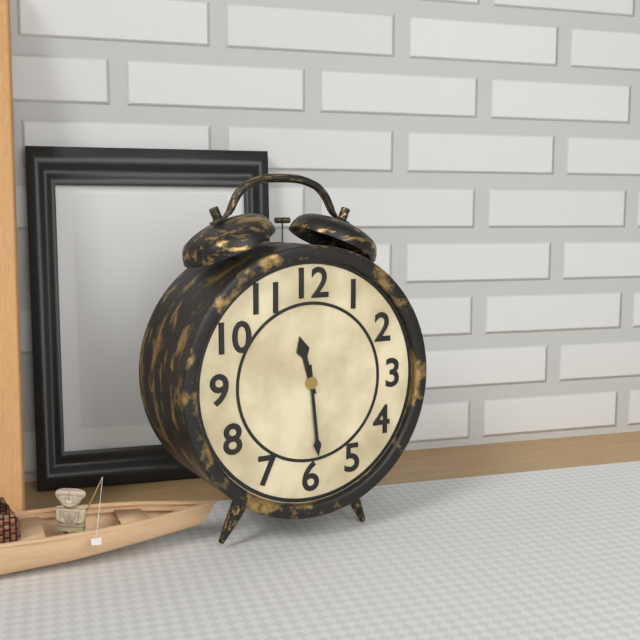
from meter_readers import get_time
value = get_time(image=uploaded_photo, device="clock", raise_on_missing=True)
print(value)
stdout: 11:29
